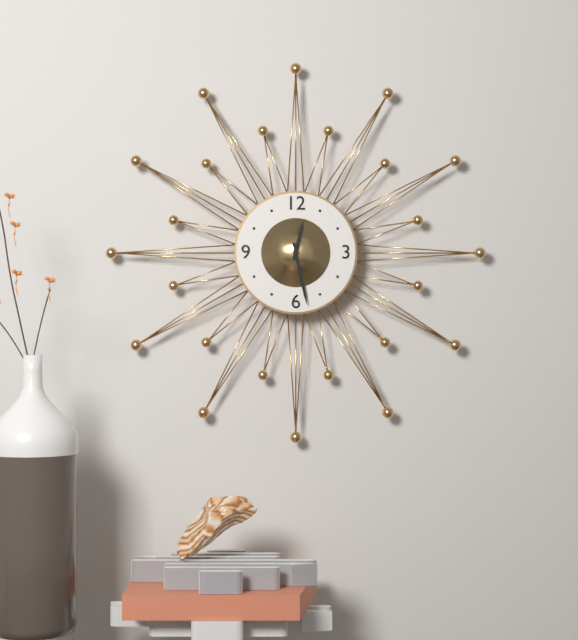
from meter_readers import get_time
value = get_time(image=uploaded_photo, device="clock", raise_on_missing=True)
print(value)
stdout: 12:28
